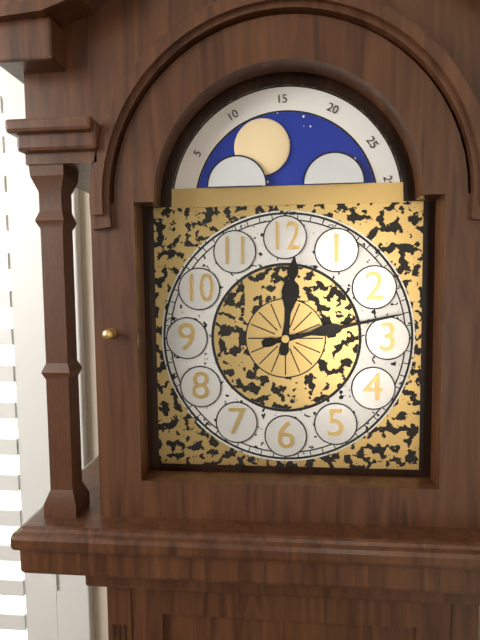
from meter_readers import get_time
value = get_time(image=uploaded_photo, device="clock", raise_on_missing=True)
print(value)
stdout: 12:13
